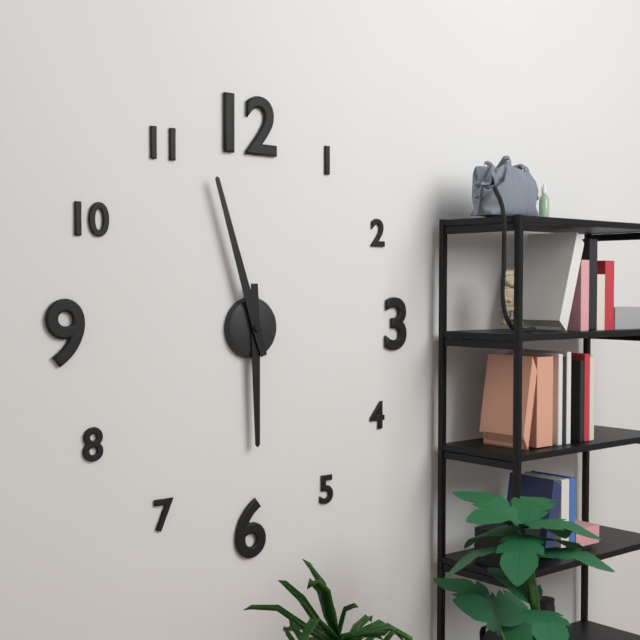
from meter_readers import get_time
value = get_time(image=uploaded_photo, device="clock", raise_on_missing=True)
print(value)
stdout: 5:57
